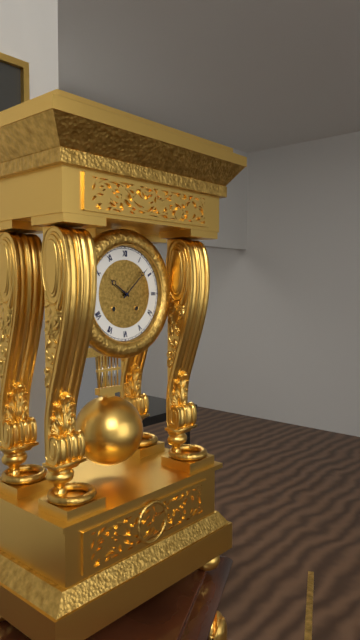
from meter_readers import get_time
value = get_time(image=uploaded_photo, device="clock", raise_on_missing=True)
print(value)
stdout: 10:08
